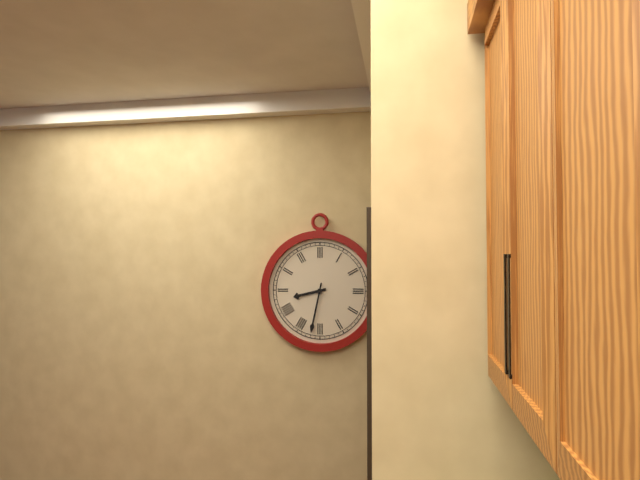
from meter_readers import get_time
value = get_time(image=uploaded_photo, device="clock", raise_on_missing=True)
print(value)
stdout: 8:32
